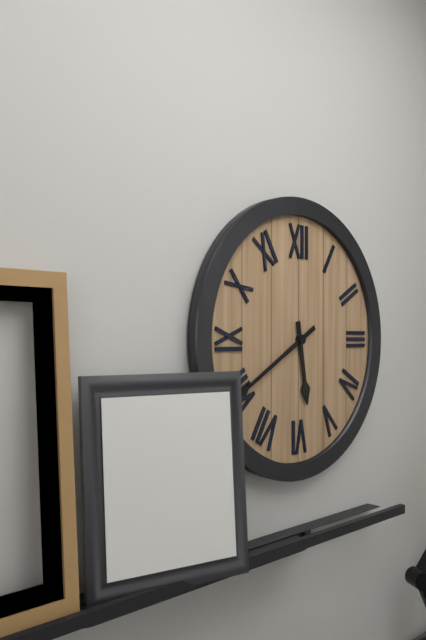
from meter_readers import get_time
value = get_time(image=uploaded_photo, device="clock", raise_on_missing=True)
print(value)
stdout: 5:40
